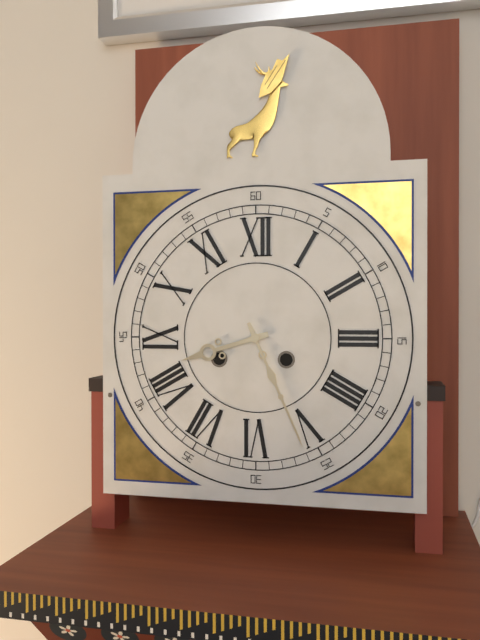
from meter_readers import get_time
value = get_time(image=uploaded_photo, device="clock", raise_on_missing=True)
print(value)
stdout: 8:26
